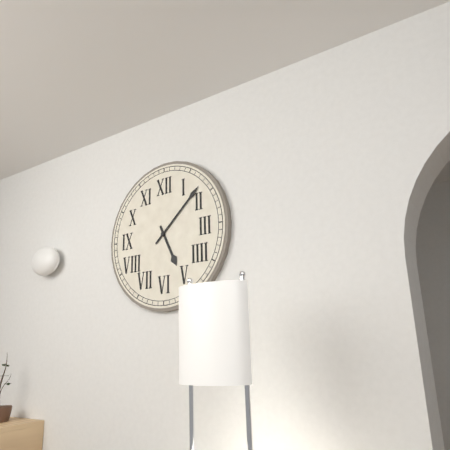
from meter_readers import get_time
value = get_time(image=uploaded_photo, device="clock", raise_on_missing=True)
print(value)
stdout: 5:08
